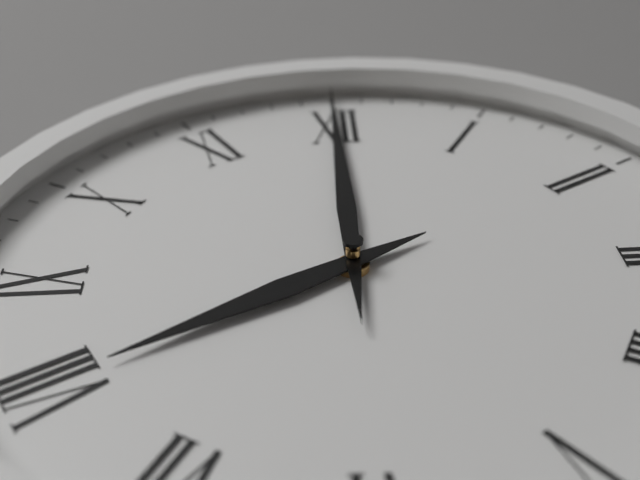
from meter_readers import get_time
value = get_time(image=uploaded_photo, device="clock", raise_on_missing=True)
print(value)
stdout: 8:00
